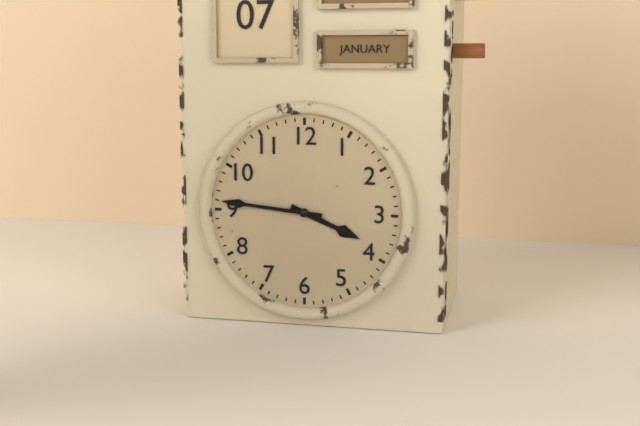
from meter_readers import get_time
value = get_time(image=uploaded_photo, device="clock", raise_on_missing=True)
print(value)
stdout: 3:46
